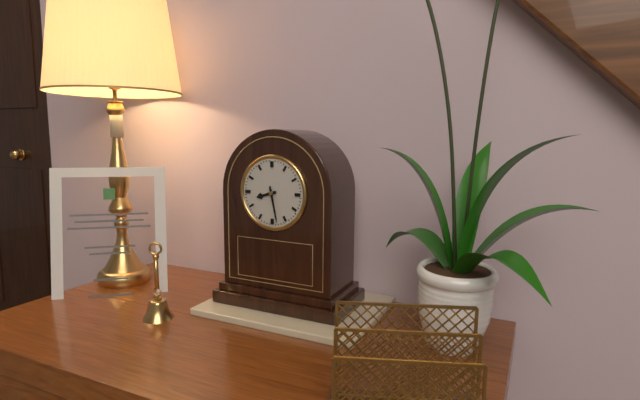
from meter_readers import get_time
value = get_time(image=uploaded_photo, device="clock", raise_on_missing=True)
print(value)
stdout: 8:28
